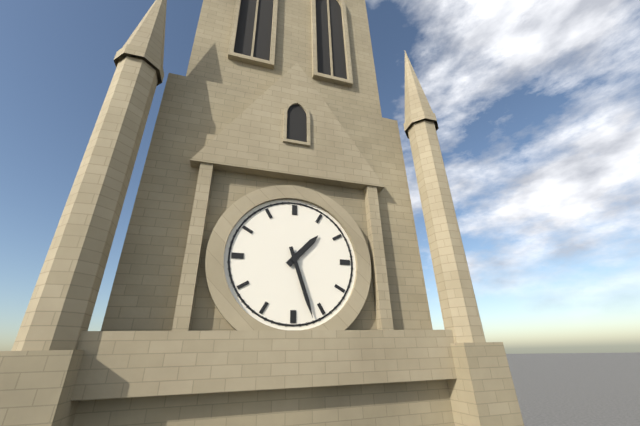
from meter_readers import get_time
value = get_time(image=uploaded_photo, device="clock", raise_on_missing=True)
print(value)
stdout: 1:27
